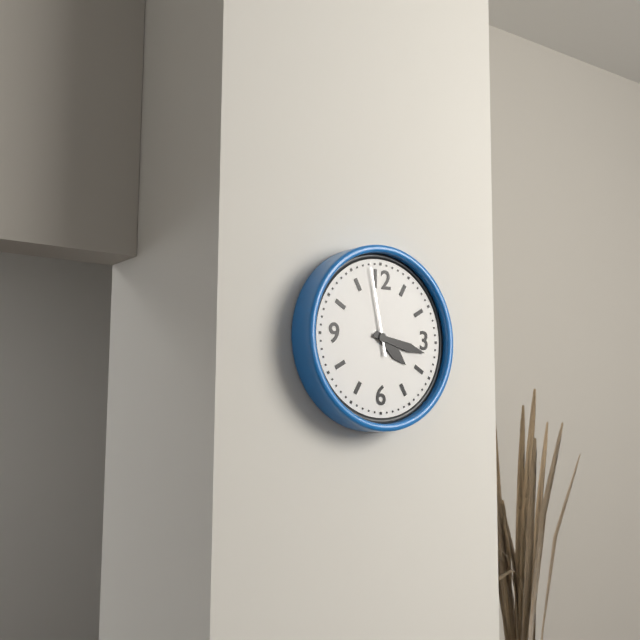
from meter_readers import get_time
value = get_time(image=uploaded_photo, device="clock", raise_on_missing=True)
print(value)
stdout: 4:17:58
